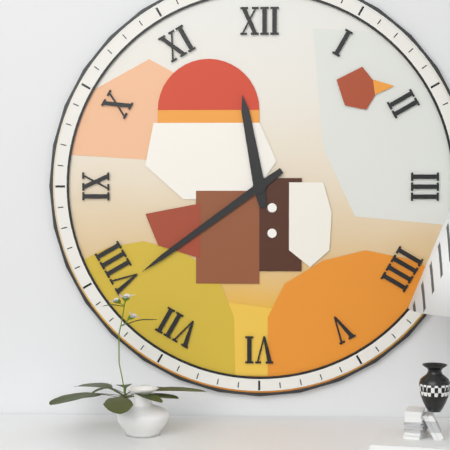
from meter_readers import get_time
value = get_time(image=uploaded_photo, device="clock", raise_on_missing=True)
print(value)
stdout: 11:39
